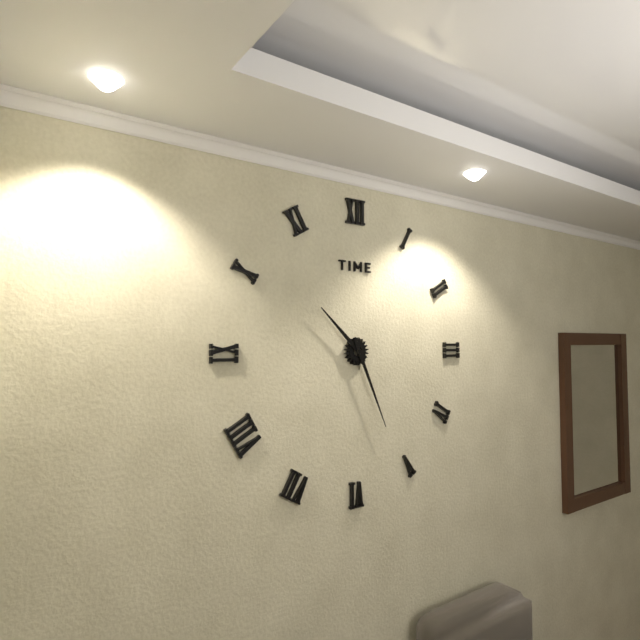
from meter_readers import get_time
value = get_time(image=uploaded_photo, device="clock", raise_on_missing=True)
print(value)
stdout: 10:26
